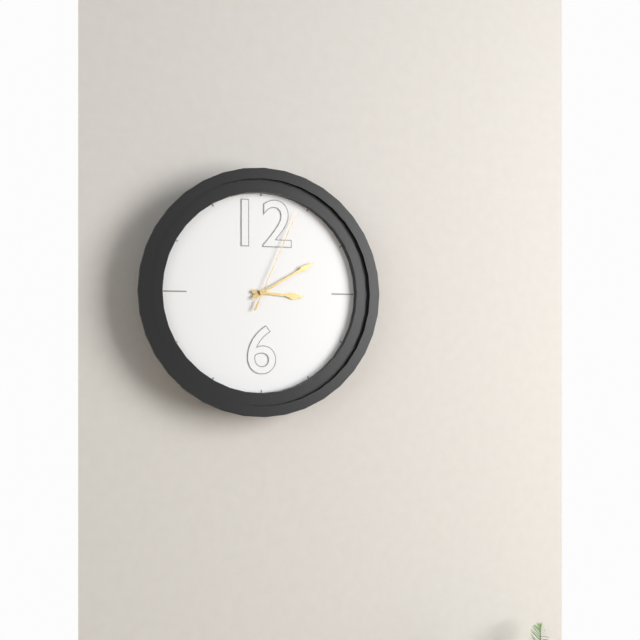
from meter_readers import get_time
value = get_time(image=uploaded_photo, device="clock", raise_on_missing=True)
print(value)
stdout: 3:10:04
